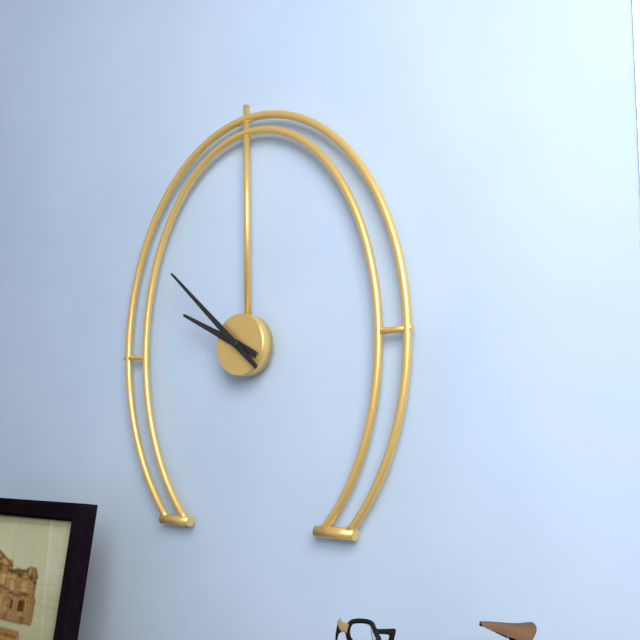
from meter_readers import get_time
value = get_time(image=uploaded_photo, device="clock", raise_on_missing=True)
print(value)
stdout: 9:52
